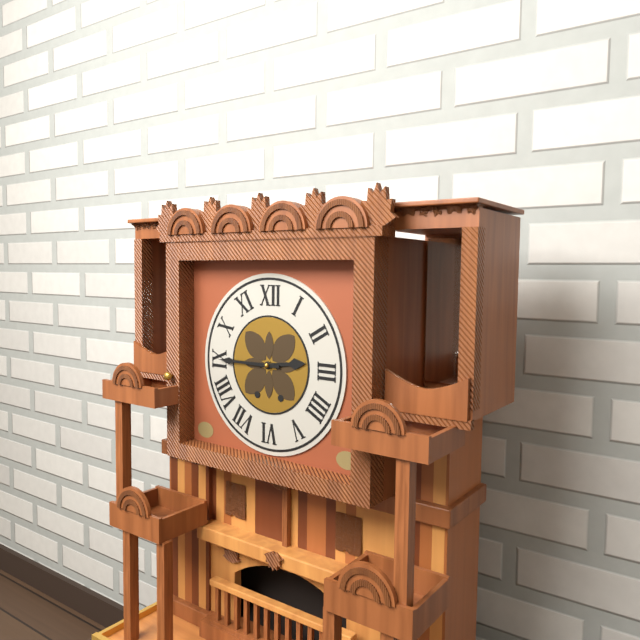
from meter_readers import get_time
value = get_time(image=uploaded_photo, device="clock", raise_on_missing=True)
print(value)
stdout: 2:45
